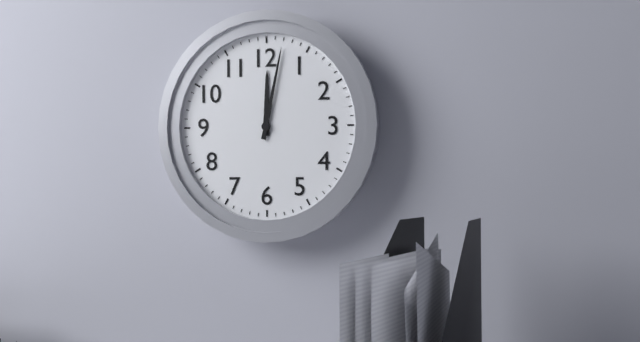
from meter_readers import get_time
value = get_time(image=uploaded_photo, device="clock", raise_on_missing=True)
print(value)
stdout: 12:02
